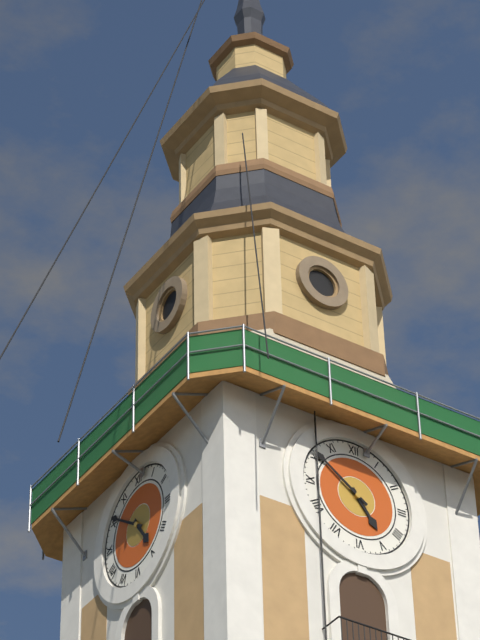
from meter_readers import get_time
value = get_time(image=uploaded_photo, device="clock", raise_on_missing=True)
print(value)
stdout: 4:51
